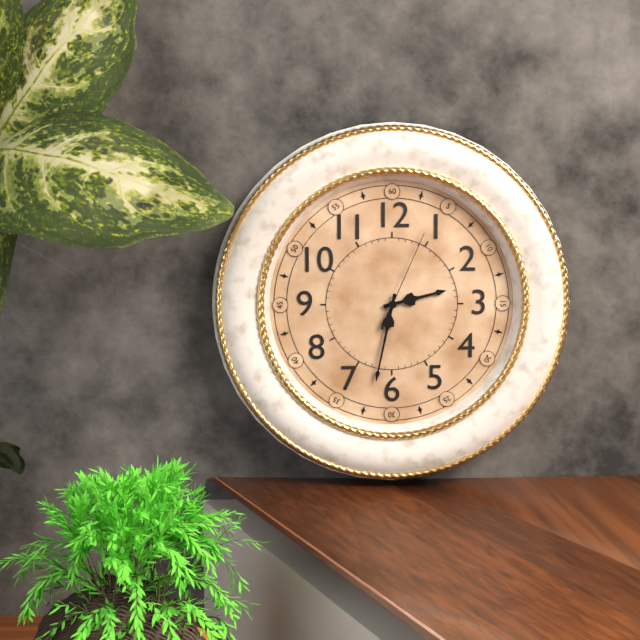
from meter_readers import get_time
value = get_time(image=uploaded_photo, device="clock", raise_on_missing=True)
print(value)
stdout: 2:32:04
